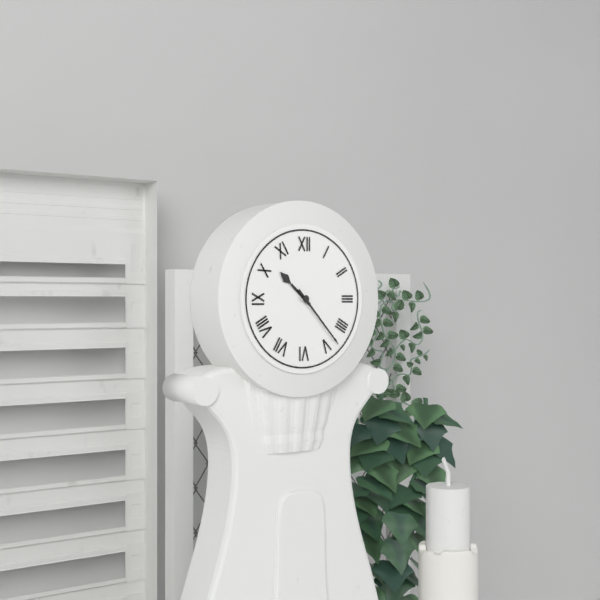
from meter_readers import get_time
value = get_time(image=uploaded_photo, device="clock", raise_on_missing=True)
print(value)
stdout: 10:23
